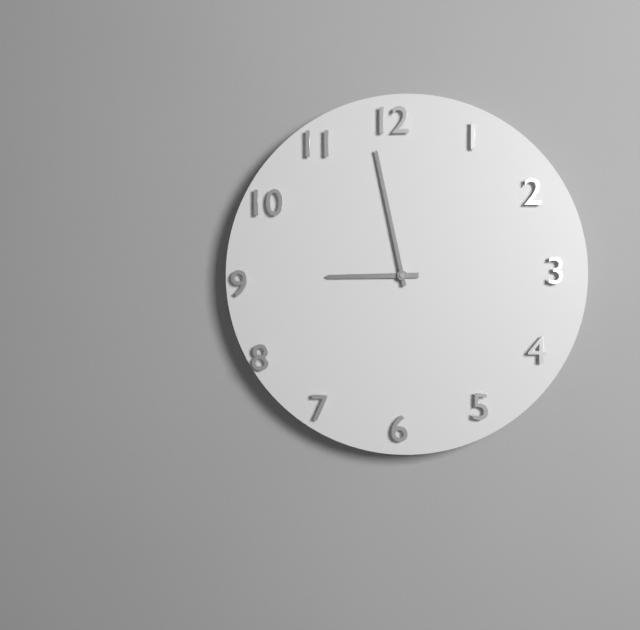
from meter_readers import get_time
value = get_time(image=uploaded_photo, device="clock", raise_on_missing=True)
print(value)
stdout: 8:58
